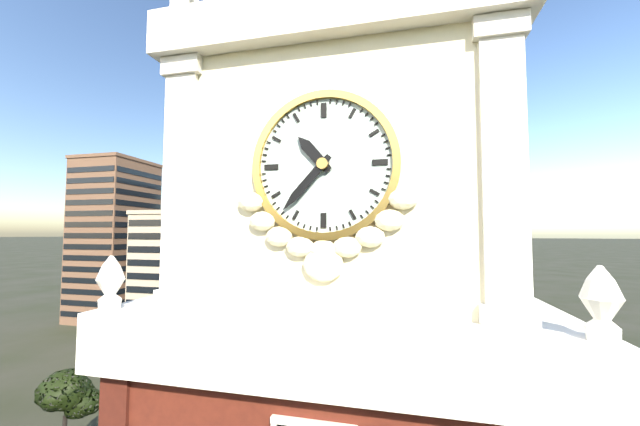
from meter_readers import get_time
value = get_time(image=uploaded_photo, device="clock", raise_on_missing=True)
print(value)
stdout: 10:37
